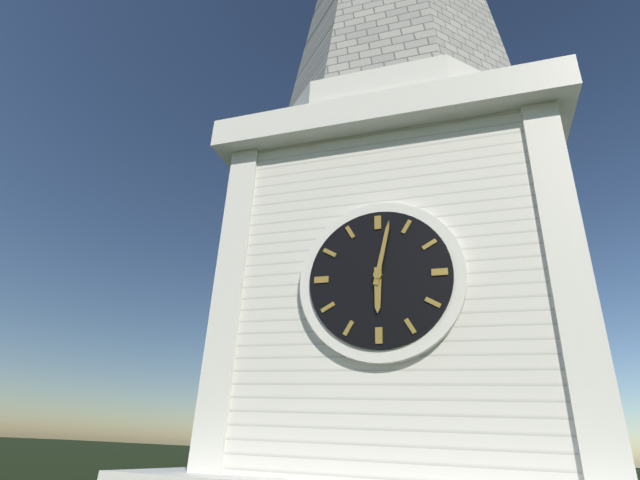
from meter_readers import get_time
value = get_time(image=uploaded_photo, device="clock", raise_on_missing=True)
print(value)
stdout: 6:02
